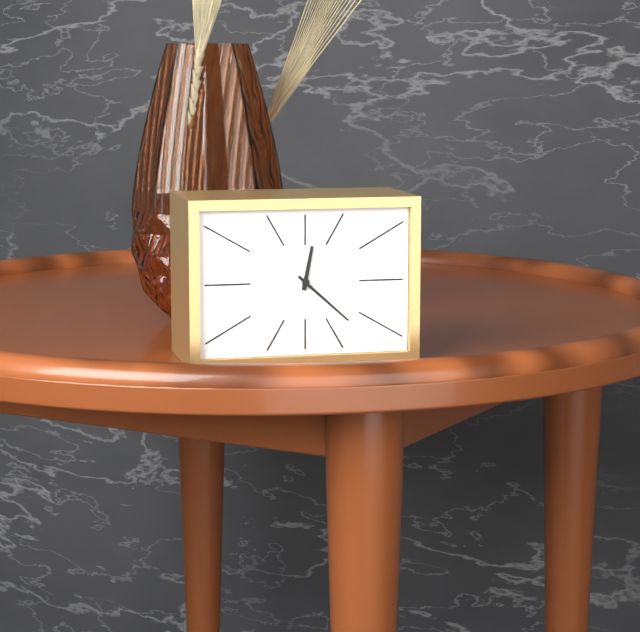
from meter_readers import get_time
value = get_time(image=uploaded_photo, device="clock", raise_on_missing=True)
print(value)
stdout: 12:22
